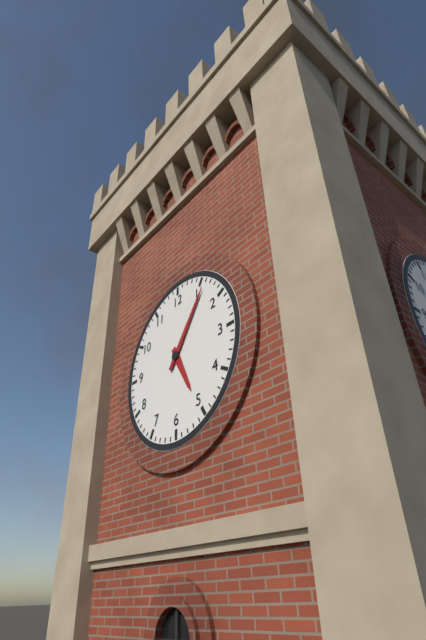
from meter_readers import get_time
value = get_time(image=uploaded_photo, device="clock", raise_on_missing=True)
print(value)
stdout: 5:06
